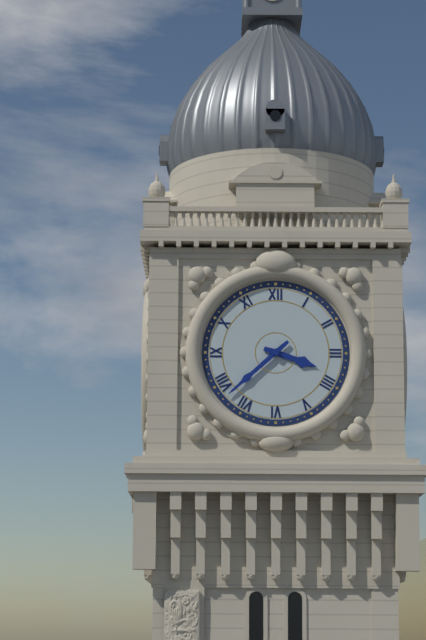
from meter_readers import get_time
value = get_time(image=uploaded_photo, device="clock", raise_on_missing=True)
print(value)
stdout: 3:38
